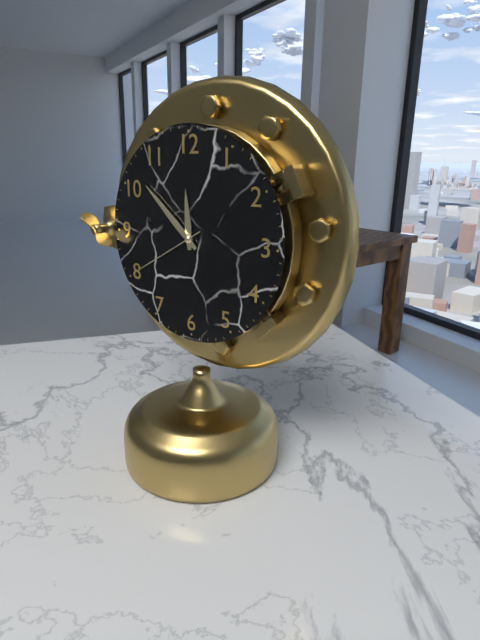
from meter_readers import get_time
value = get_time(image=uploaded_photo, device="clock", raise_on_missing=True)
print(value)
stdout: 11:52:40
